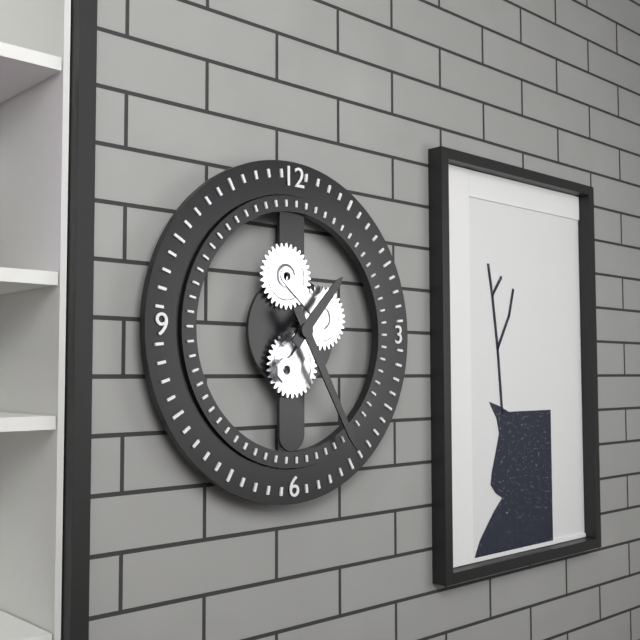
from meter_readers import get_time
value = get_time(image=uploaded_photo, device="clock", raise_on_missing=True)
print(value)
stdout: 1:25
